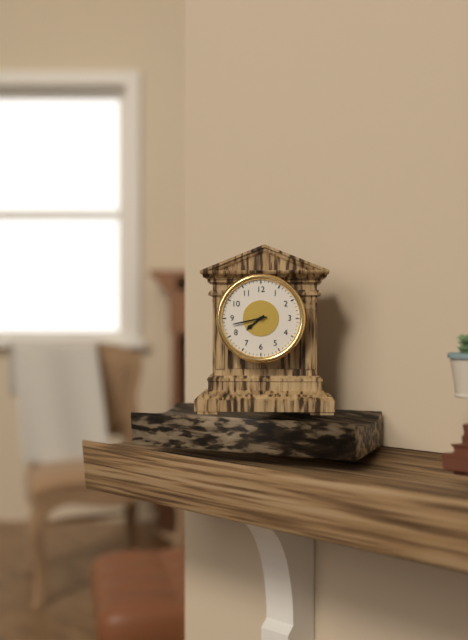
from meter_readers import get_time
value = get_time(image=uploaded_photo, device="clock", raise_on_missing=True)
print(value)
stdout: 7:43
